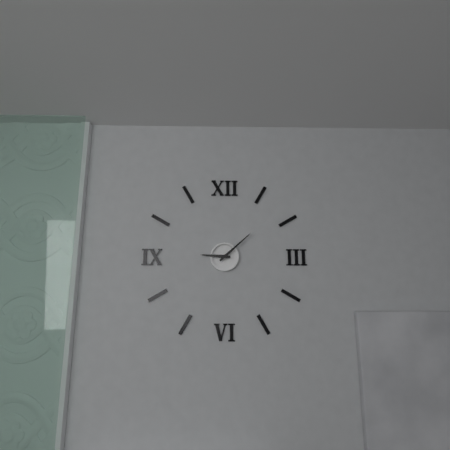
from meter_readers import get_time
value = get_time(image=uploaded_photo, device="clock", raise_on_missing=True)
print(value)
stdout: 9:08
